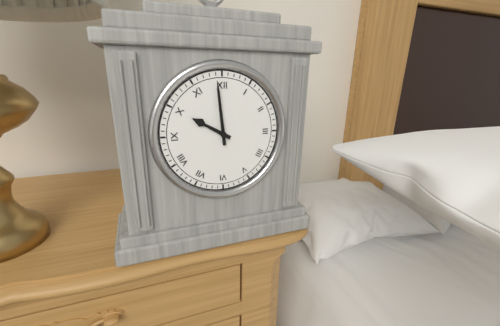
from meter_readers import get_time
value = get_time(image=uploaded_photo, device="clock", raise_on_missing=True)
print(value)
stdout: 9:59
